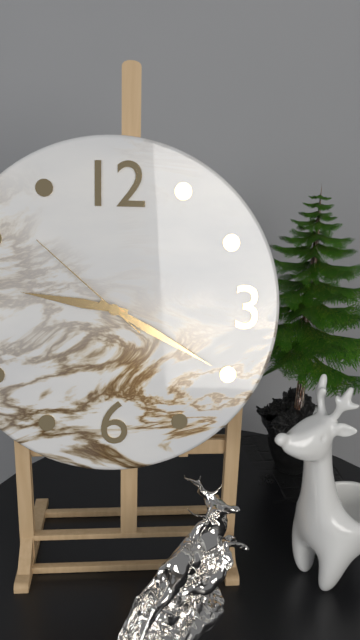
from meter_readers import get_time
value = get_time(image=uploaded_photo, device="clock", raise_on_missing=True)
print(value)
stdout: 9:20:52
